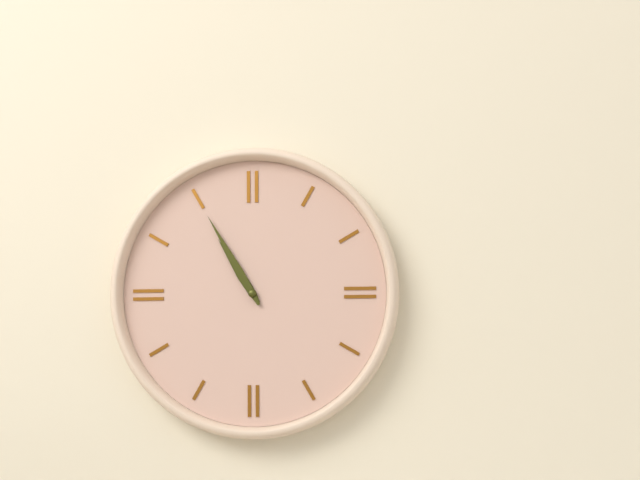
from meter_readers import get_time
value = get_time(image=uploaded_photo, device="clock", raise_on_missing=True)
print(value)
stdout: 10:55
